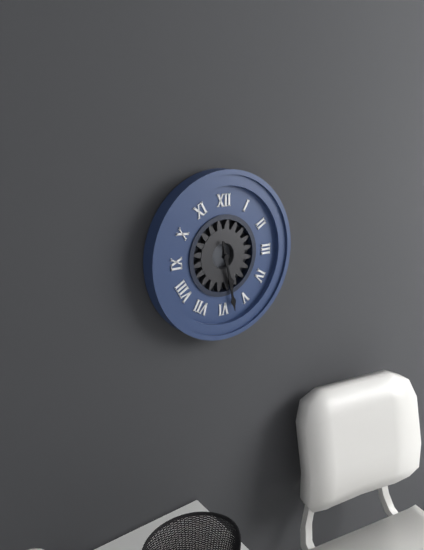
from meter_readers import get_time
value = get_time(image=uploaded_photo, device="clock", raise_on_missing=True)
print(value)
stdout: 5:28
